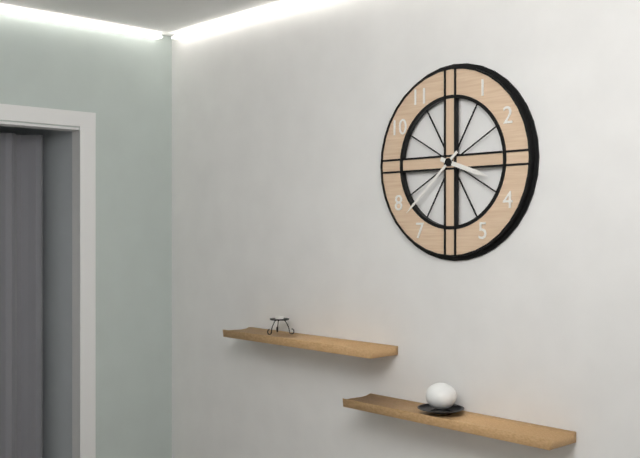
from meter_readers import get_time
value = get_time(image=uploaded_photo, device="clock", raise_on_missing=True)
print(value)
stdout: 3:38
